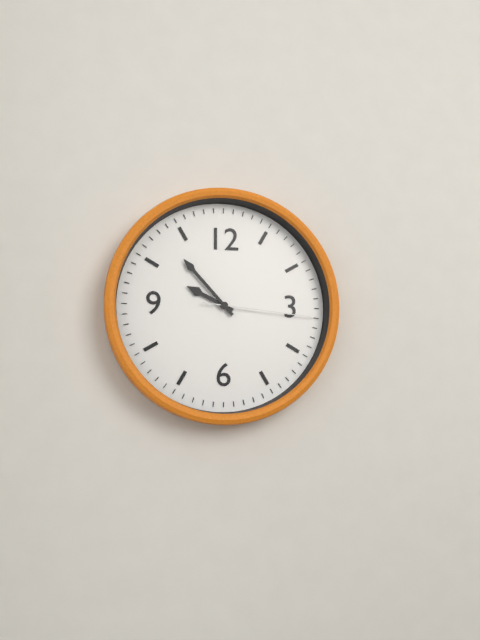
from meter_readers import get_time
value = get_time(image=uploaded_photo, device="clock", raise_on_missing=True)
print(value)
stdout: 9:53:16
